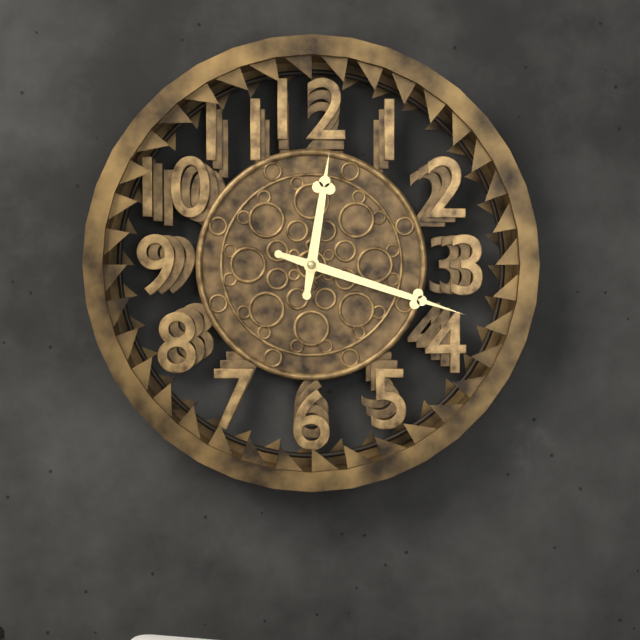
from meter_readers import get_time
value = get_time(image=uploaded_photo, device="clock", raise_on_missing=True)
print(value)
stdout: 12:18
